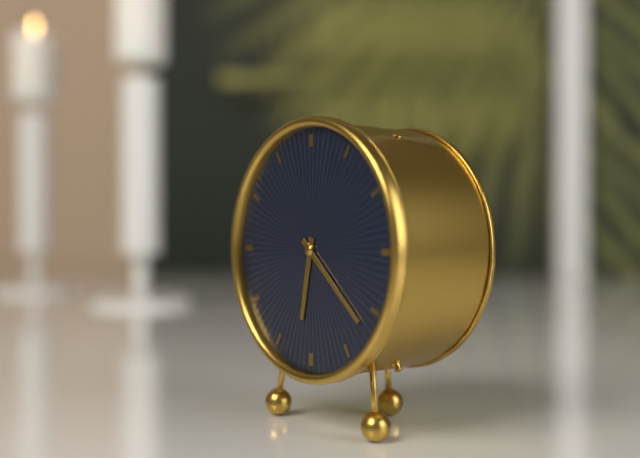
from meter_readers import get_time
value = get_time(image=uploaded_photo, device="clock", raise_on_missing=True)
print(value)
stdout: 6:22
